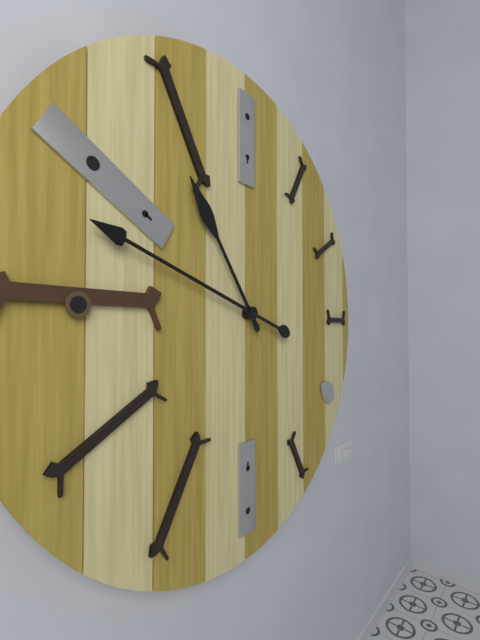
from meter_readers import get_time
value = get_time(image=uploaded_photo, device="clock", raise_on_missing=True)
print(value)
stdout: 10:48
